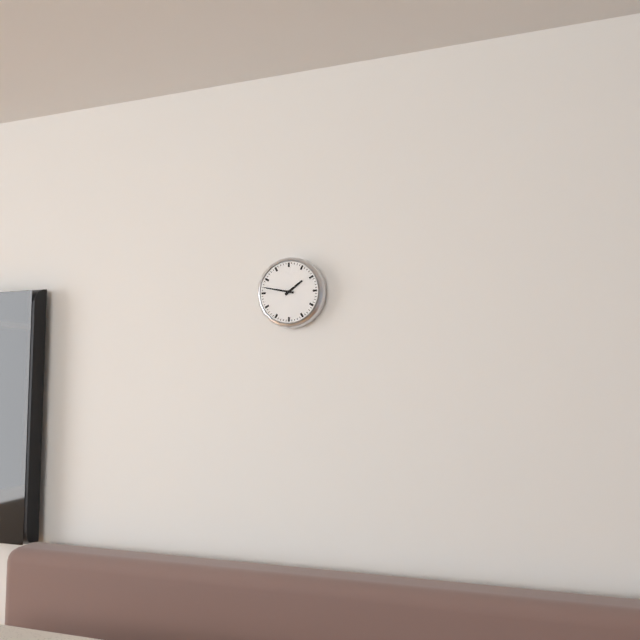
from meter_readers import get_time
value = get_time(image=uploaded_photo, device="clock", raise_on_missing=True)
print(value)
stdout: 1:47
